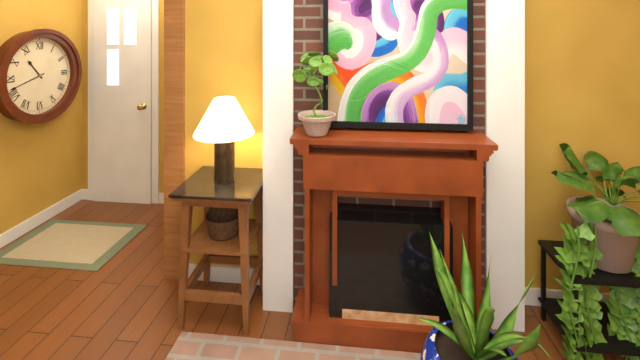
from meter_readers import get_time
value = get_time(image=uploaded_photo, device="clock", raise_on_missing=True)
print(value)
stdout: 10:42
